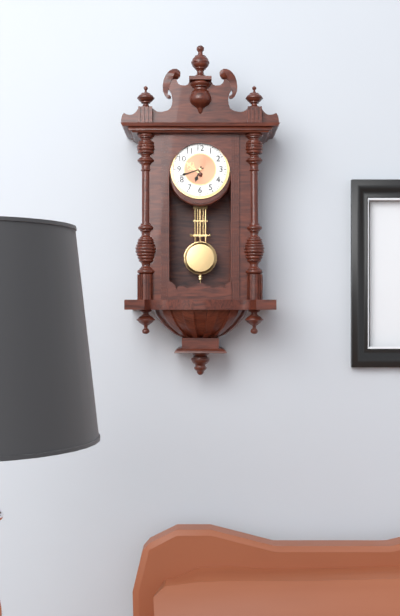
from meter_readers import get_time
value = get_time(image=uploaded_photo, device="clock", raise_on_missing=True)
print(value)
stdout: 6:42
